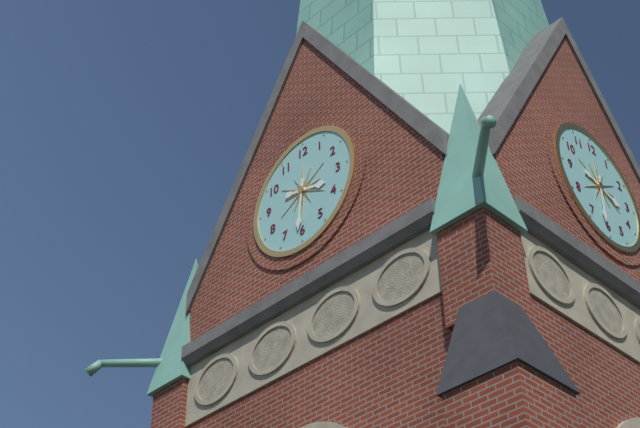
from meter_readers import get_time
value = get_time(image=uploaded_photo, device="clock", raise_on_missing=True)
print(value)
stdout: 3:31
